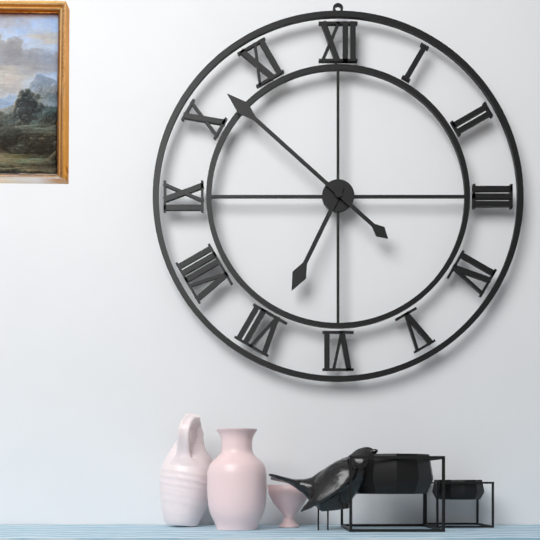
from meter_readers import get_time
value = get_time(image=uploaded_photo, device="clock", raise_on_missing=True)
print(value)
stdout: 6:52
